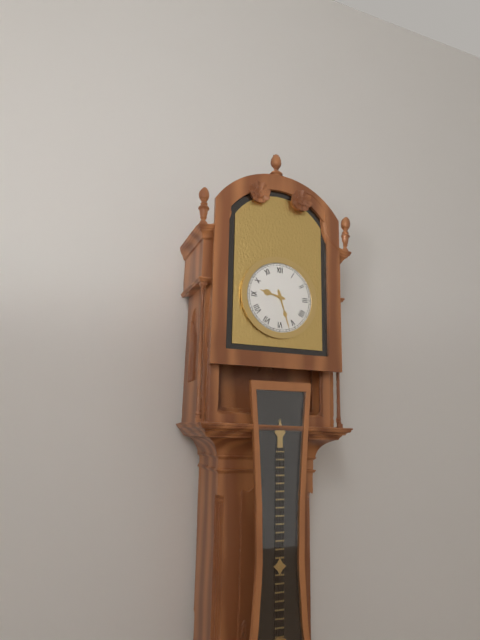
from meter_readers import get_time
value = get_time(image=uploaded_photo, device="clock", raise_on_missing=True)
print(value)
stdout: 9:27
